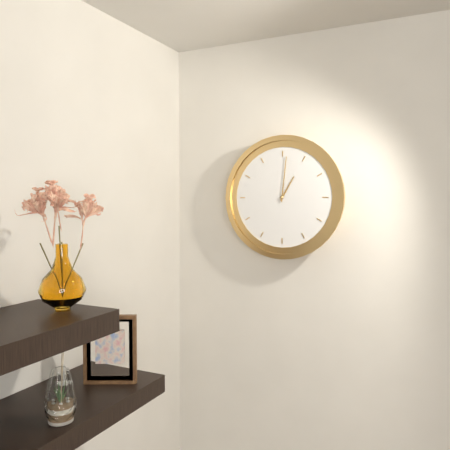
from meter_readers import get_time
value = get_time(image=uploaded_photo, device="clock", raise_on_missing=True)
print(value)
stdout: 1:01
